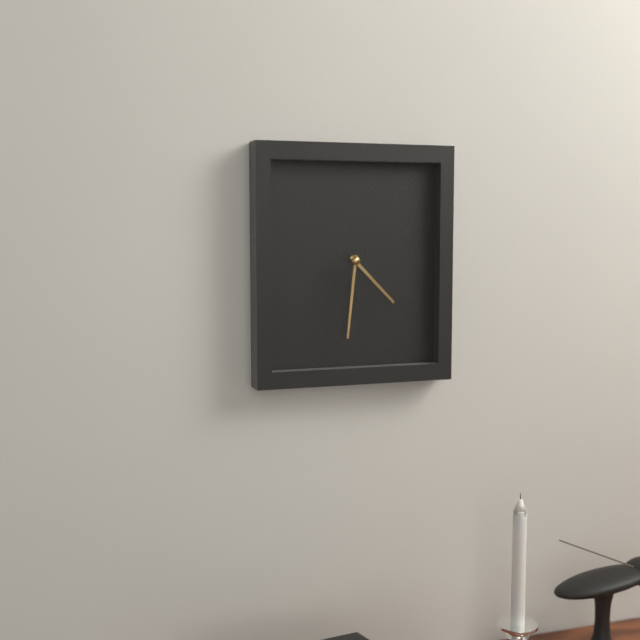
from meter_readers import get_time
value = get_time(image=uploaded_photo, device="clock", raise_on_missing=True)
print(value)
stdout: 4:31
